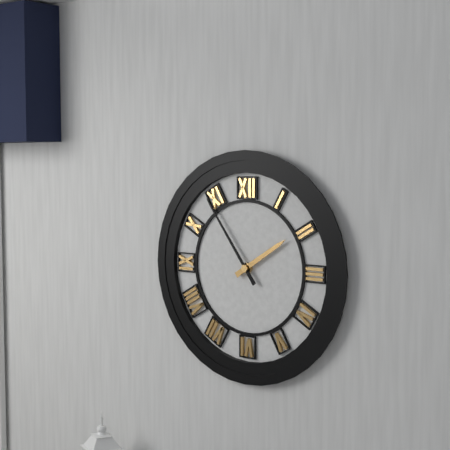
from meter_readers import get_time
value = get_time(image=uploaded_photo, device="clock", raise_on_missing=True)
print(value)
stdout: 1:54
